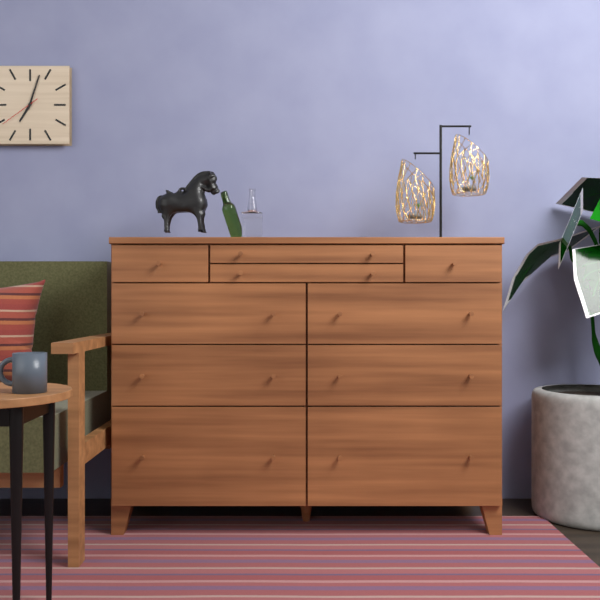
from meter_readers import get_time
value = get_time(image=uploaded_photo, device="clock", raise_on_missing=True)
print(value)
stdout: 7:03
